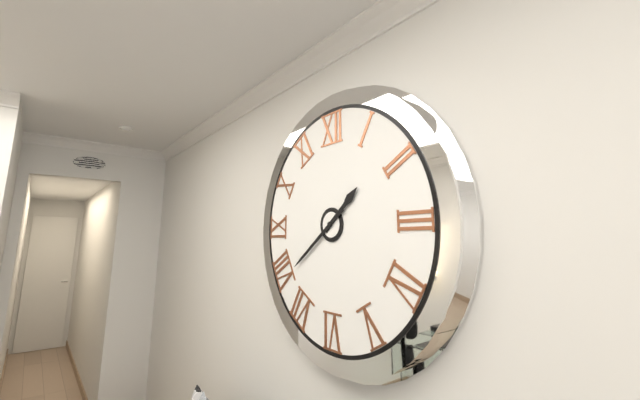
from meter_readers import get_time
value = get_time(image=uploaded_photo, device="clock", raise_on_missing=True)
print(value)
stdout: 1:39
